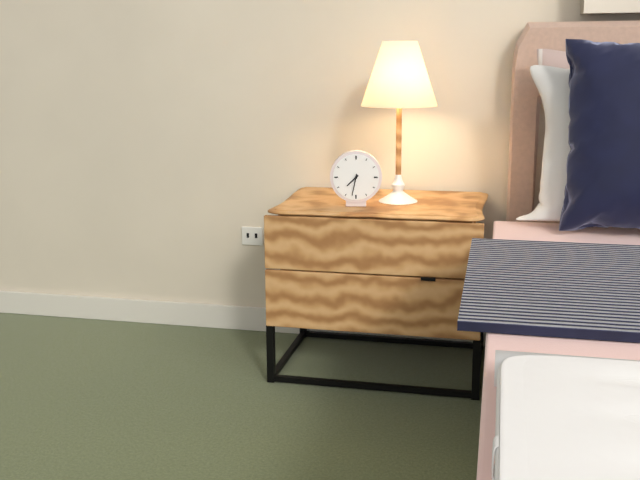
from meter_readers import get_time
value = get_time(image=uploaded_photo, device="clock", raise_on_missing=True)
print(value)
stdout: 7:32
